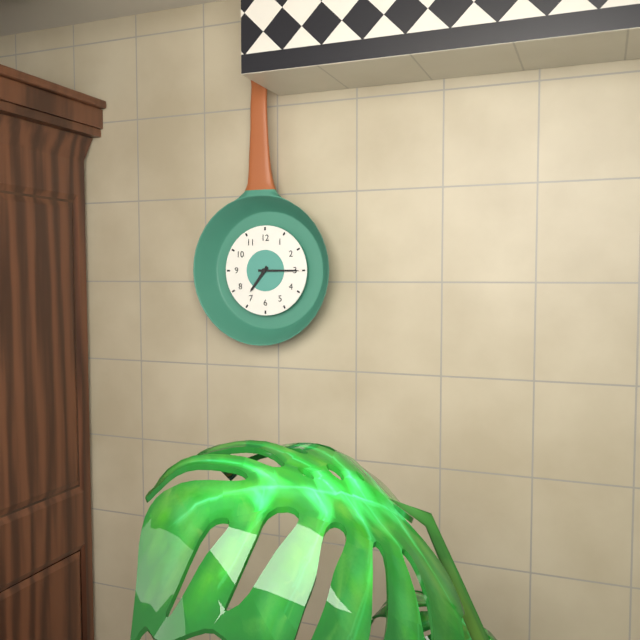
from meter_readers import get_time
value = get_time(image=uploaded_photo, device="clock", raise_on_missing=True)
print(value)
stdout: 7:15
